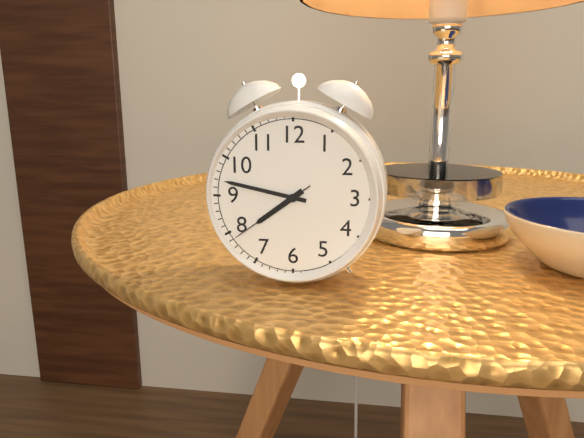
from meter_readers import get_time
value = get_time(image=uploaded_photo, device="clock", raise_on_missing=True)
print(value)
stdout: 7:47:39
